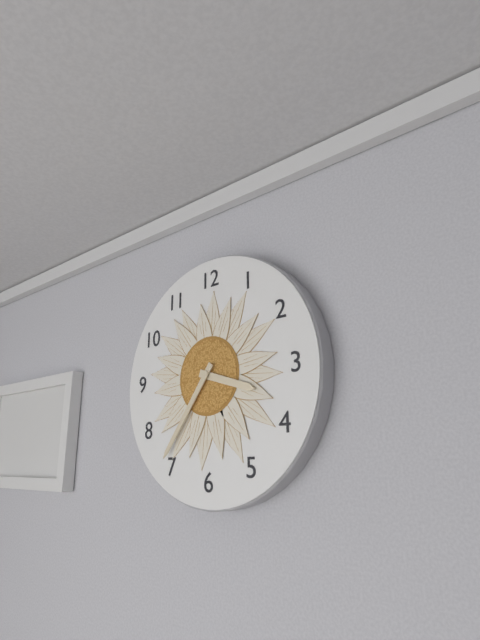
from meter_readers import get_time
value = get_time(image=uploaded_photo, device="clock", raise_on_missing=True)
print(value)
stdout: 3:36
